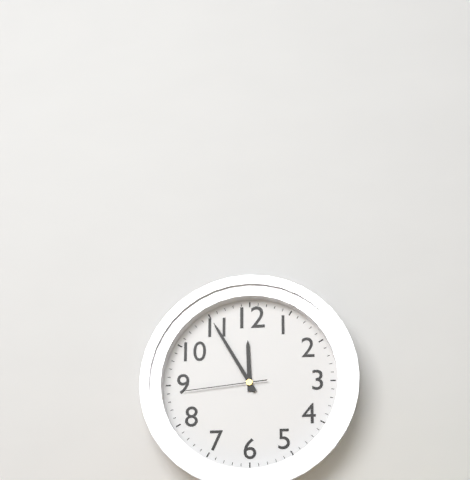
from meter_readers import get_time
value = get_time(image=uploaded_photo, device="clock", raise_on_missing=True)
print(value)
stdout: 11:55:44
